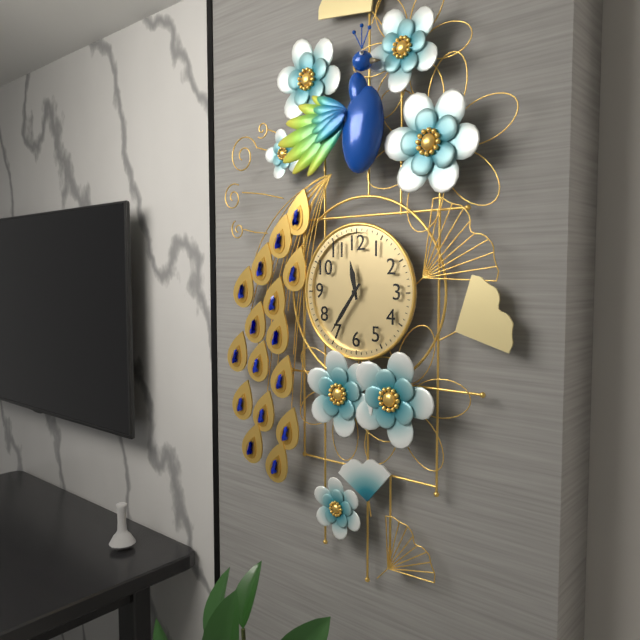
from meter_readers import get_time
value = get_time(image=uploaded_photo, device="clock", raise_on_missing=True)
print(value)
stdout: 11:36
